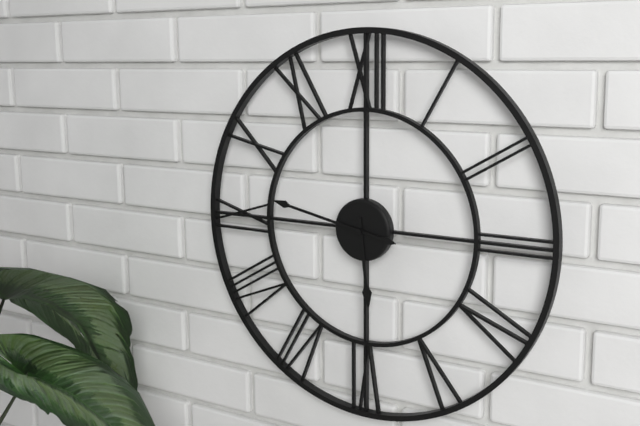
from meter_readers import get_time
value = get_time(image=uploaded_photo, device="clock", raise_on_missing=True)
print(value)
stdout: 5:47
